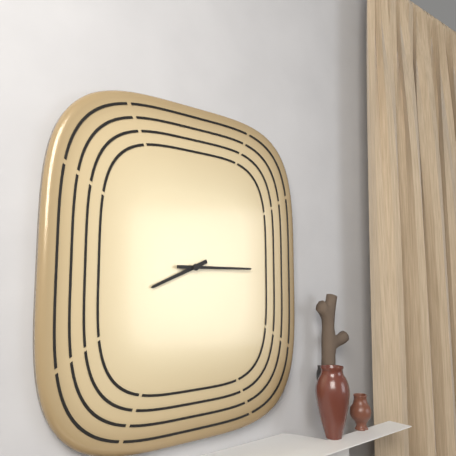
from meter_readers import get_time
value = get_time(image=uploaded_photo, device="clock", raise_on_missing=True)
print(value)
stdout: 8:15
